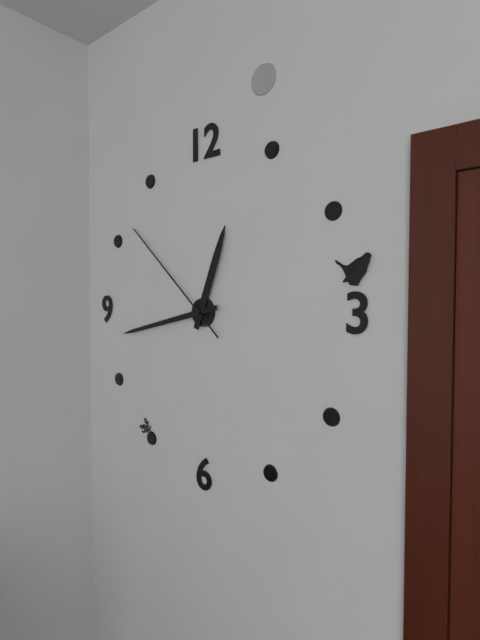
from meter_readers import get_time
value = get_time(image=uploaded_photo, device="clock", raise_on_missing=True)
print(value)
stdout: 12:43:52
